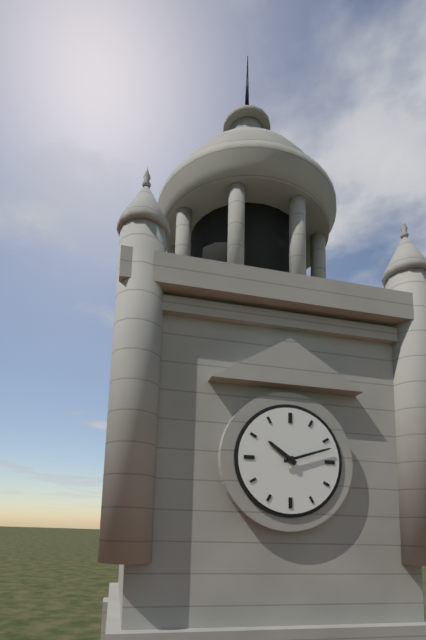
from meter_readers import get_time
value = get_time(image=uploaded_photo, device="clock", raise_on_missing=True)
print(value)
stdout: 10:12
